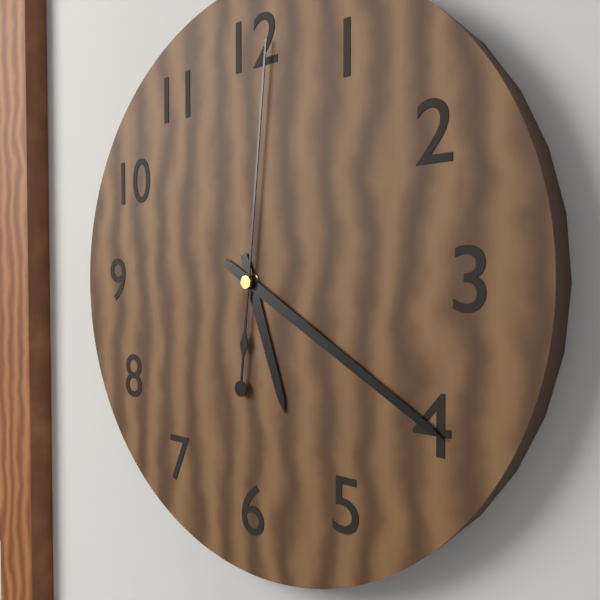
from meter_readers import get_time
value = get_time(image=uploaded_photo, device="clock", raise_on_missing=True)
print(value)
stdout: 5:20:01
